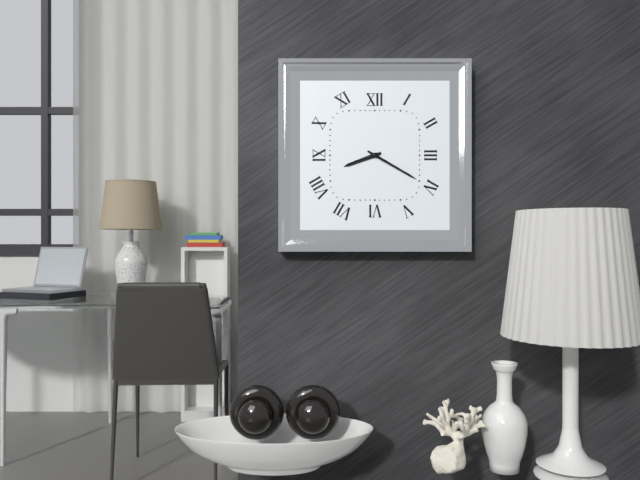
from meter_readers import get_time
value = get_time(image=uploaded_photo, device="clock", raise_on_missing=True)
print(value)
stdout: 8:20
